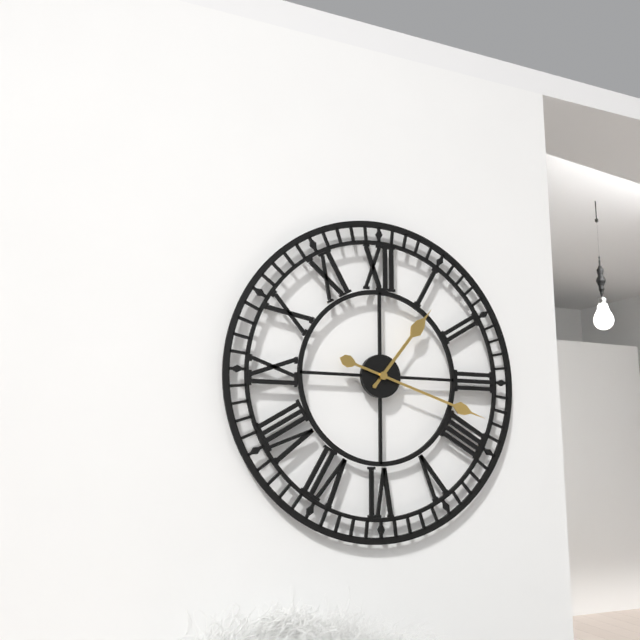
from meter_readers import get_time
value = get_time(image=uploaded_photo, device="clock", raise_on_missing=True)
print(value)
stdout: 1:18
